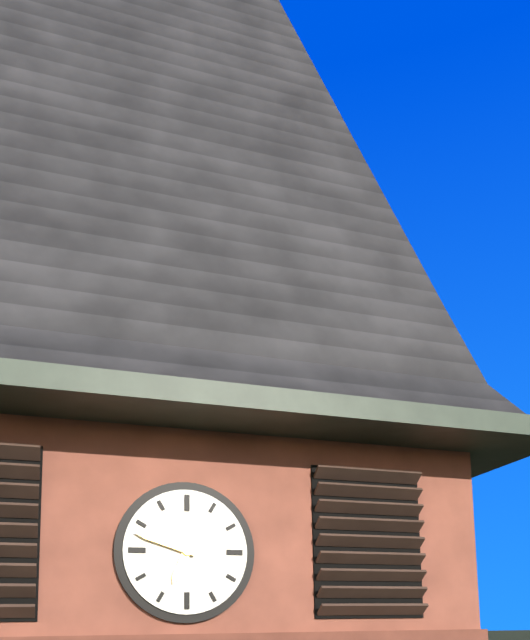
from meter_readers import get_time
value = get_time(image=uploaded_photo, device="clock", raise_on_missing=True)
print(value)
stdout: 6:48
